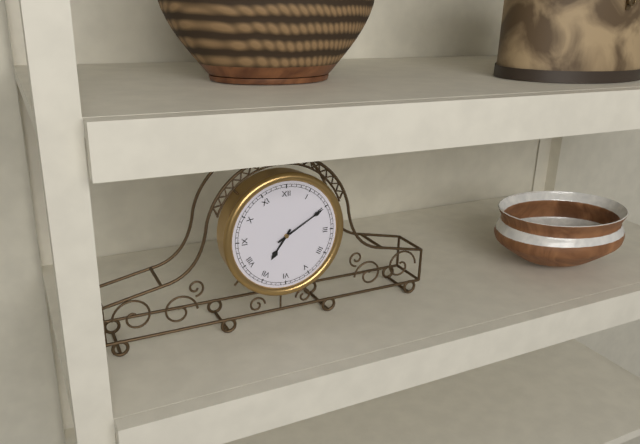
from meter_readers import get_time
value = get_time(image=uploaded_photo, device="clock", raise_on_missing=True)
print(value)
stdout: 7:10
